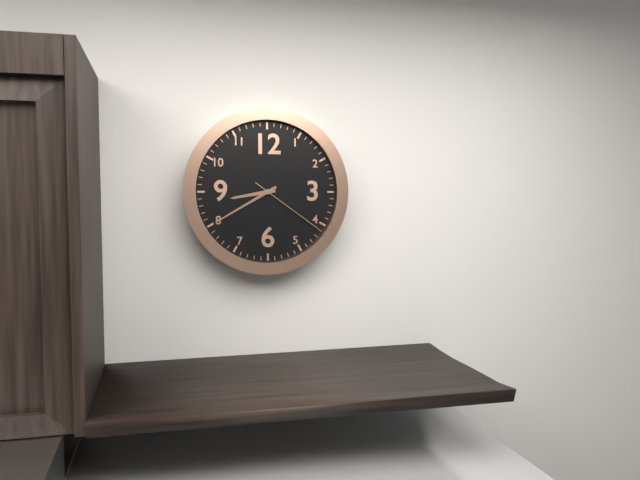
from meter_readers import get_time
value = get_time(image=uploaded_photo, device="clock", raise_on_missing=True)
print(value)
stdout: 8:40:21
